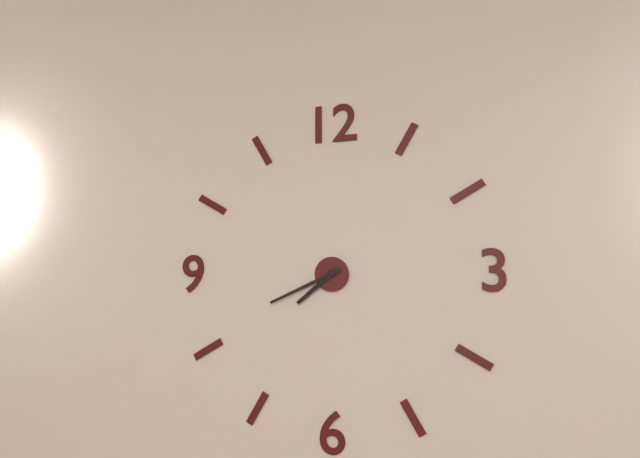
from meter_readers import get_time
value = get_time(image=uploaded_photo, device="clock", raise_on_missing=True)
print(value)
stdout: 7:41
